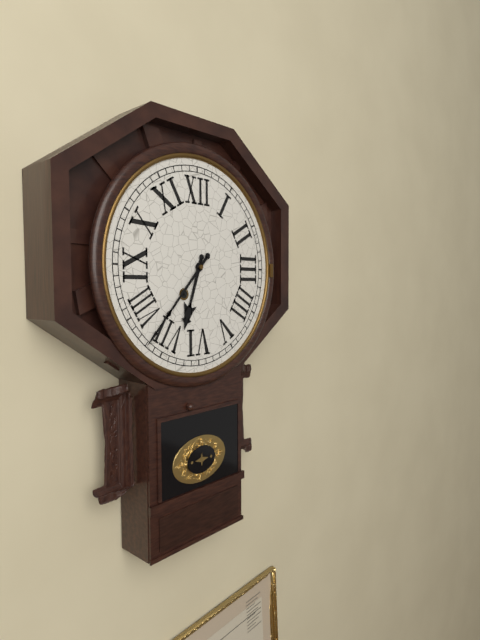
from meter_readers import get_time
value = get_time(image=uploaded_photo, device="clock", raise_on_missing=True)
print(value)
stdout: 6:37
